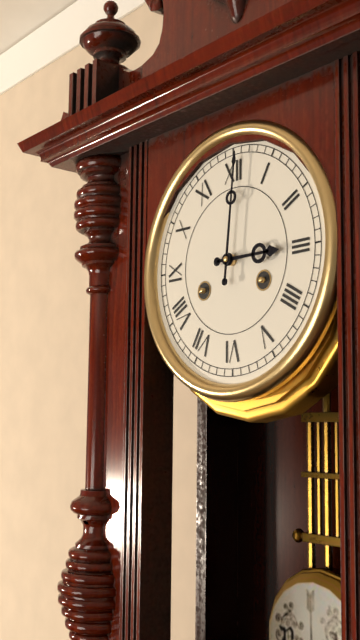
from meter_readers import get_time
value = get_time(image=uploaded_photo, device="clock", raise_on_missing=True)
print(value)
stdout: 3:01
